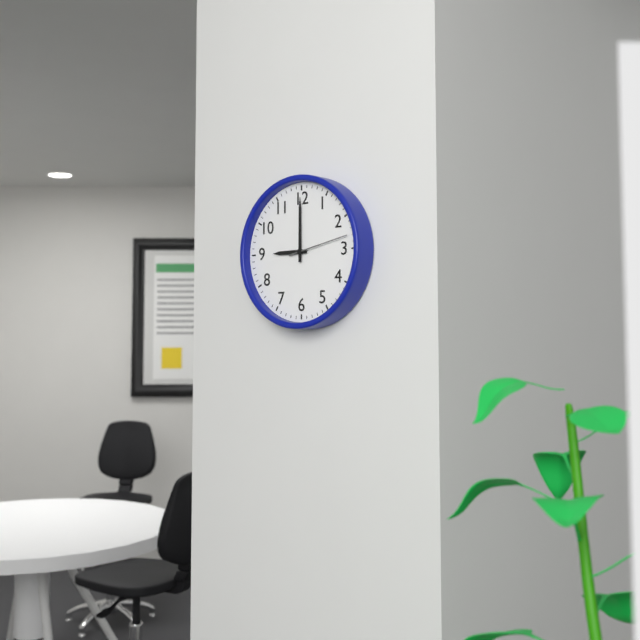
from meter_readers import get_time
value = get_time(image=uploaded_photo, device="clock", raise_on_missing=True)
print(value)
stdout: 9:00
